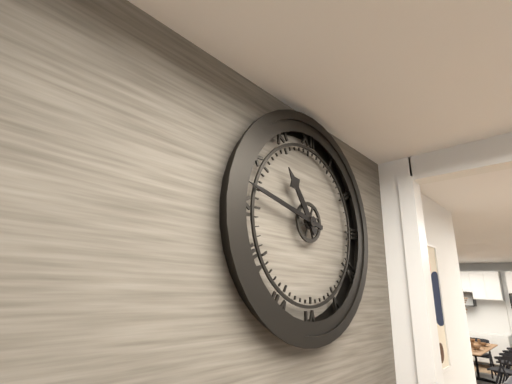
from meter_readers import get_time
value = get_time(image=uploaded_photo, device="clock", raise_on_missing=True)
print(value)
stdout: 10:47
